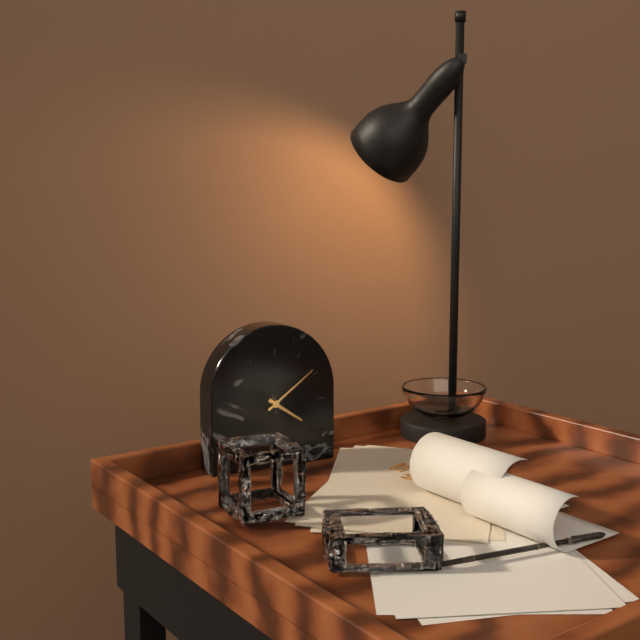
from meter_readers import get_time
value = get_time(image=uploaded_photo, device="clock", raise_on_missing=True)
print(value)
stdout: 4:09
